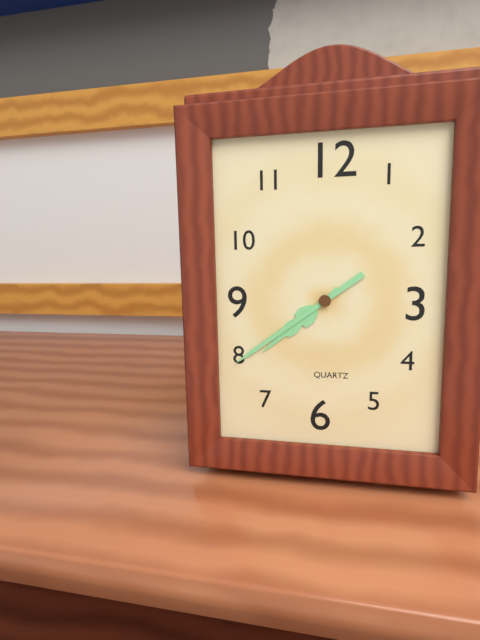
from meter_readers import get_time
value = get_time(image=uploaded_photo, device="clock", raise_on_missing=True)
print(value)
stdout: 7:39
